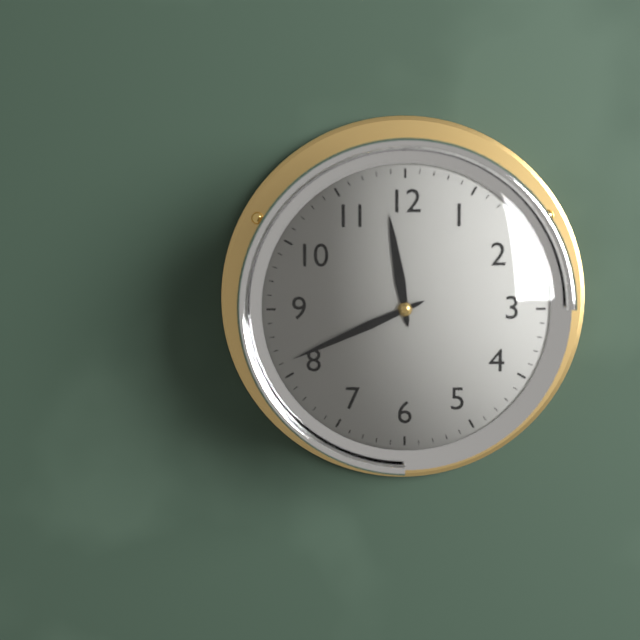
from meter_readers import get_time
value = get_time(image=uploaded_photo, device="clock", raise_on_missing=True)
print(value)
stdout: 11:41
